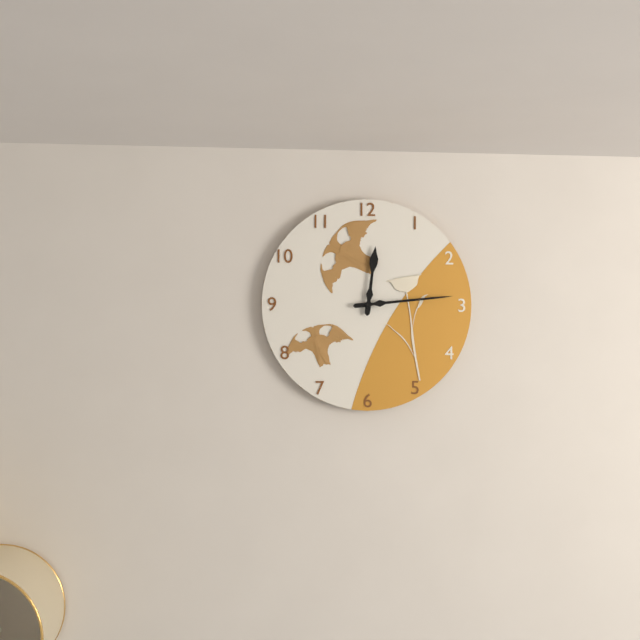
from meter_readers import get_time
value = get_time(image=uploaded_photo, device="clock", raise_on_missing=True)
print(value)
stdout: 12:14
